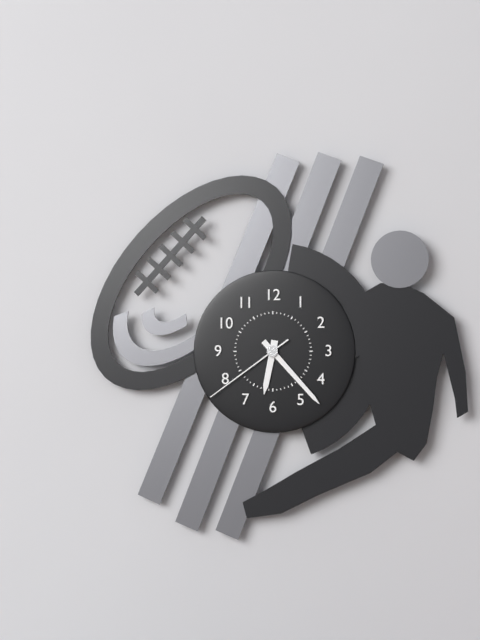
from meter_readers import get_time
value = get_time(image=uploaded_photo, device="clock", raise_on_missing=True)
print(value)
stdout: 6:23:39
